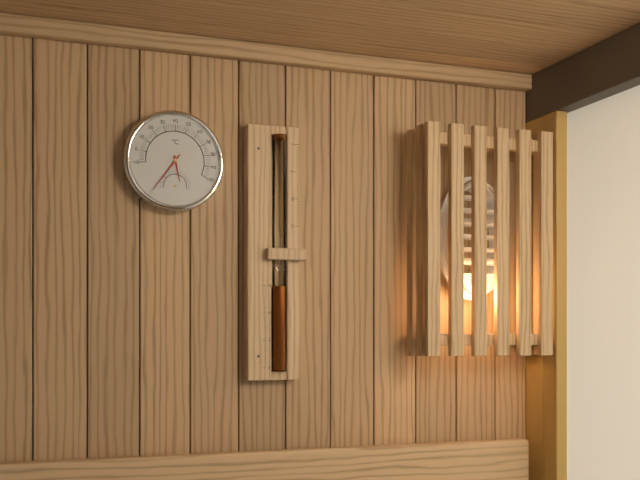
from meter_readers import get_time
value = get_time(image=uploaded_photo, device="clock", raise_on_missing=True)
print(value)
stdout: 5:36
